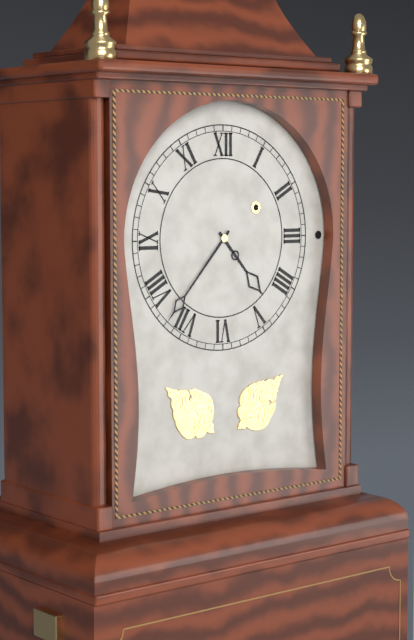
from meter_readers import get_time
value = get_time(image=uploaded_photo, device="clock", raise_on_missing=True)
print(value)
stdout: 4:37
